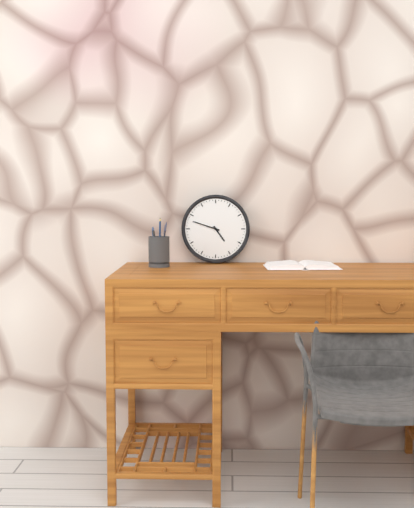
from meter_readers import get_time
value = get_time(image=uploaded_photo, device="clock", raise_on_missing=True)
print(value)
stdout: 4:48
